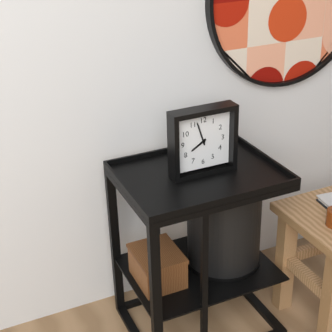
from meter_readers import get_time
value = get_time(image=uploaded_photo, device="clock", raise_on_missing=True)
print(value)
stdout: 7:57
